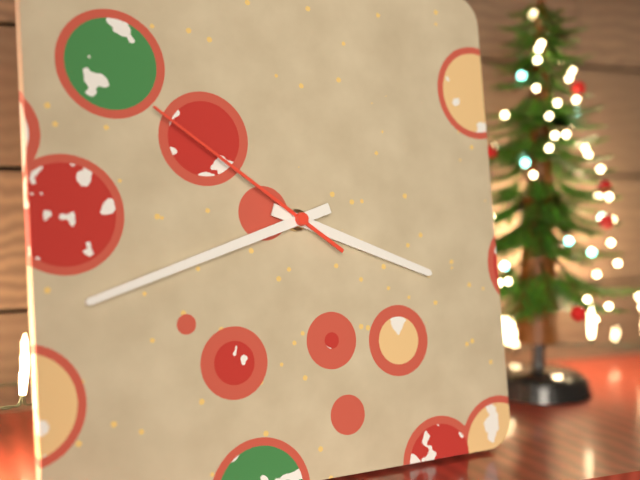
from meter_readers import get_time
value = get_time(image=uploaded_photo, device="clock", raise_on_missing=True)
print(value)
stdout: 3:42:51
